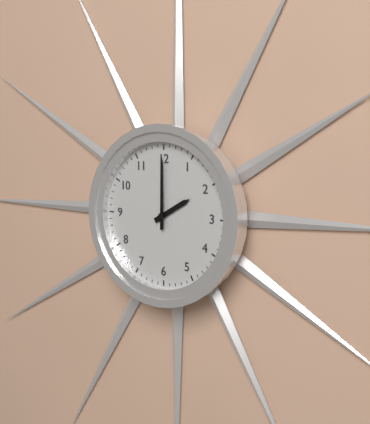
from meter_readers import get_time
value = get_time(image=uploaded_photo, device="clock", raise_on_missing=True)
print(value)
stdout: 2:00
